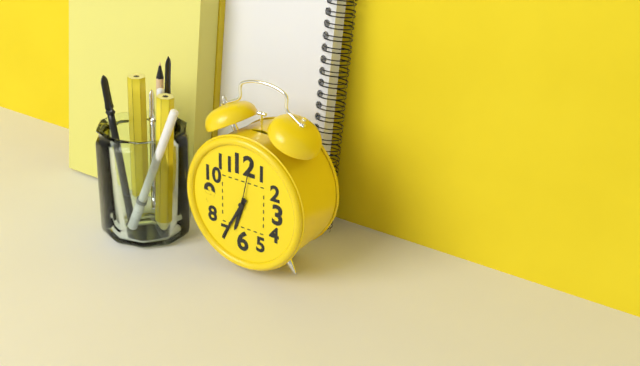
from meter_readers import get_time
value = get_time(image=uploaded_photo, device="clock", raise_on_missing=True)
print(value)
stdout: 6:35:02
